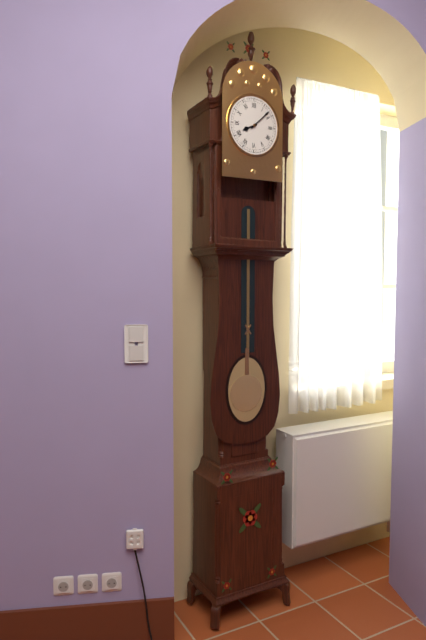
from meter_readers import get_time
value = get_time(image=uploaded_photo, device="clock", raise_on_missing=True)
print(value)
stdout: 8:08
